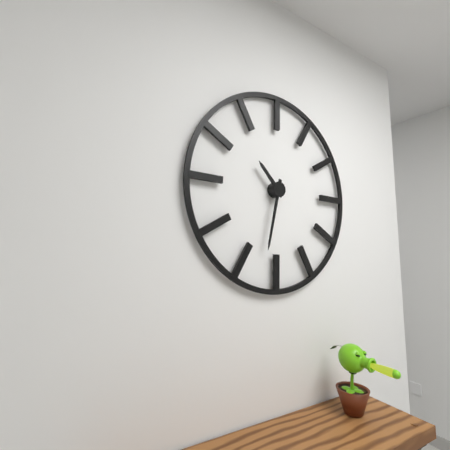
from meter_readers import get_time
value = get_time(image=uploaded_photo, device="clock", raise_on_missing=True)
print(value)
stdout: 10:32
